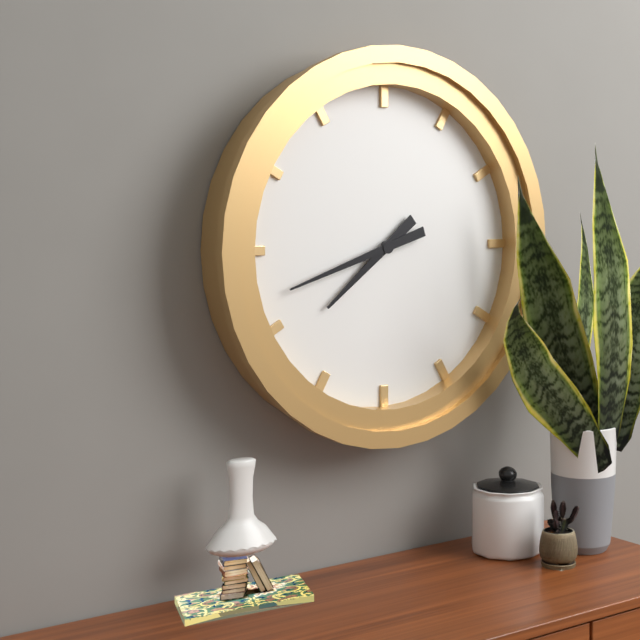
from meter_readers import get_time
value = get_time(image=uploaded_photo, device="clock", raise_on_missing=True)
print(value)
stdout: 7:42
